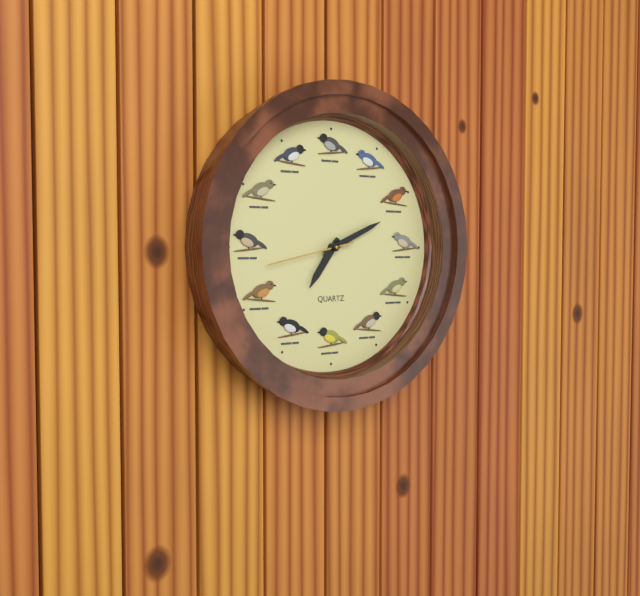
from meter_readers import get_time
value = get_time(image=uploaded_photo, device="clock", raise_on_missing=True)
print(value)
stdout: 7:11:43
